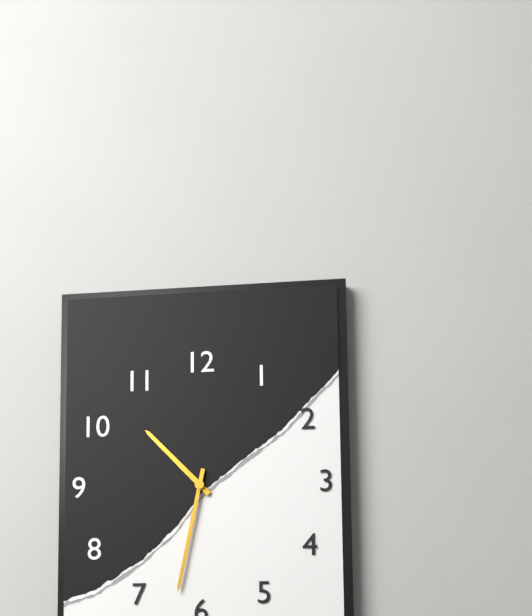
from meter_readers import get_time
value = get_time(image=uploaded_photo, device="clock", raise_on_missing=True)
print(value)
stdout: 10:32
